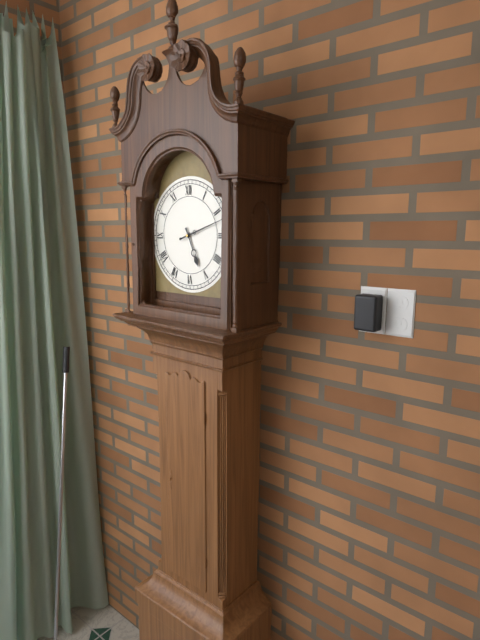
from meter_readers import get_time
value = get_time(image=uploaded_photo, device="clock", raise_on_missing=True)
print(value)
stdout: 5:12
